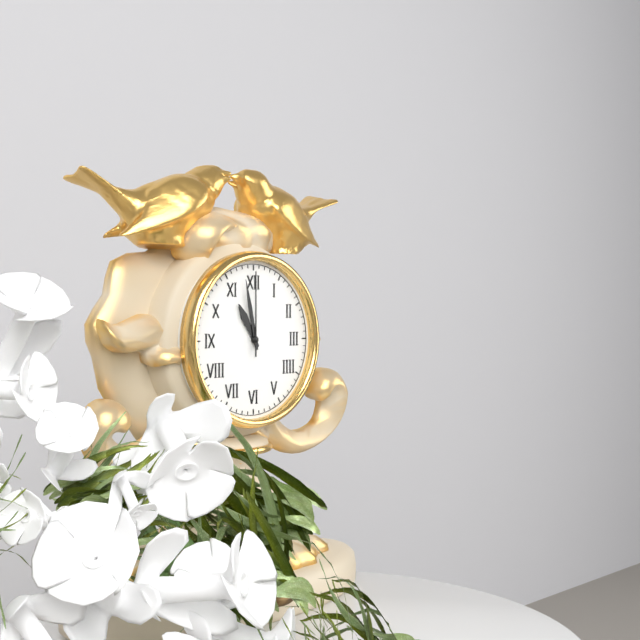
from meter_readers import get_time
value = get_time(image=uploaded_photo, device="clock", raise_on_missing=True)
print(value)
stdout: 10:58:00
